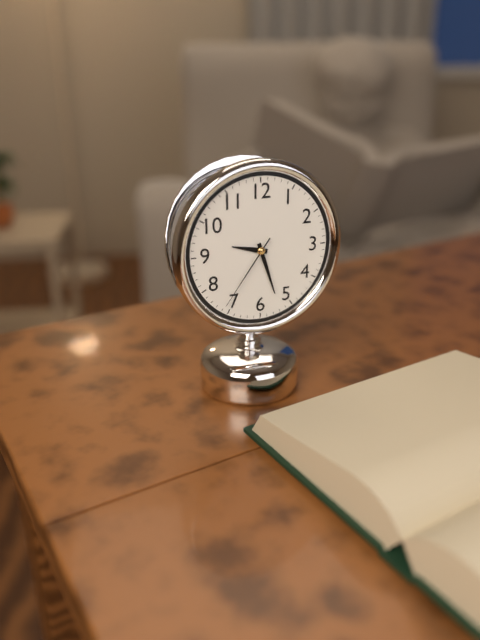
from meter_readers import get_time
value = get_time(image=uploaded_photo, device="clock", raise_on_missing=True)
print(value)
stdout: 9:27:36
